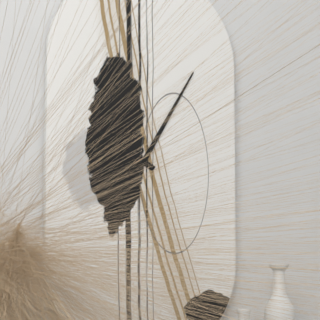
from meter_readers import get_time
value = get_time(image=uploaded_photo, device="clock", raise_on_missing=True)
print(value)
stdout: 10:05
